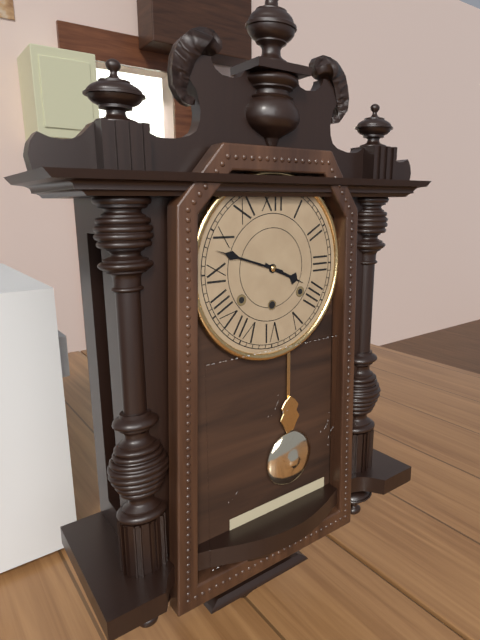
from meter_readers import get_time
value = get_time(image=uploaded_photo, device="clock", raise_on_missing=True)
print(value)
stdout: 3:48
